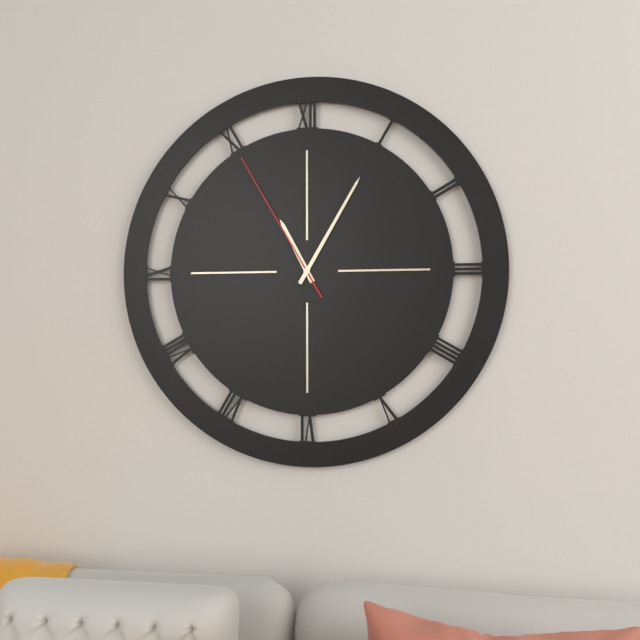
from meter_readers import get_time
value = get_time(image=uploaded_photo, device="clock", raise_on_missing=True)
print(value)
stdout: 11:05:55
